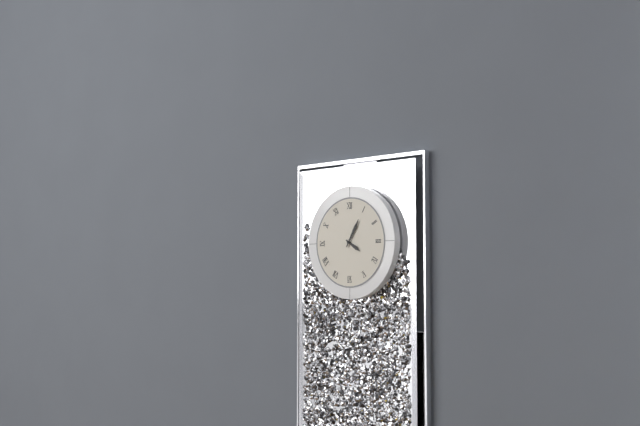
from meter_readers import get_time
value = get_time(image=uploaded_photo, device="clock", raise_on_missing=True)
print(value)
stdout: 4:05
